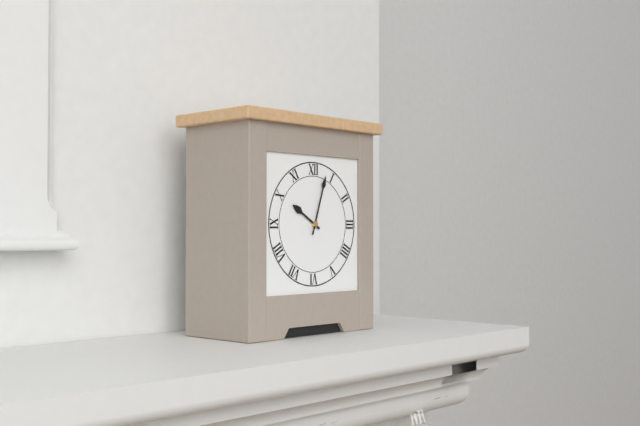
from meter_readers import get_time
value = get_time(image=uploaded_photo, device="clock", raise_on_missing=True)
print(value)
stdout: 10:03
